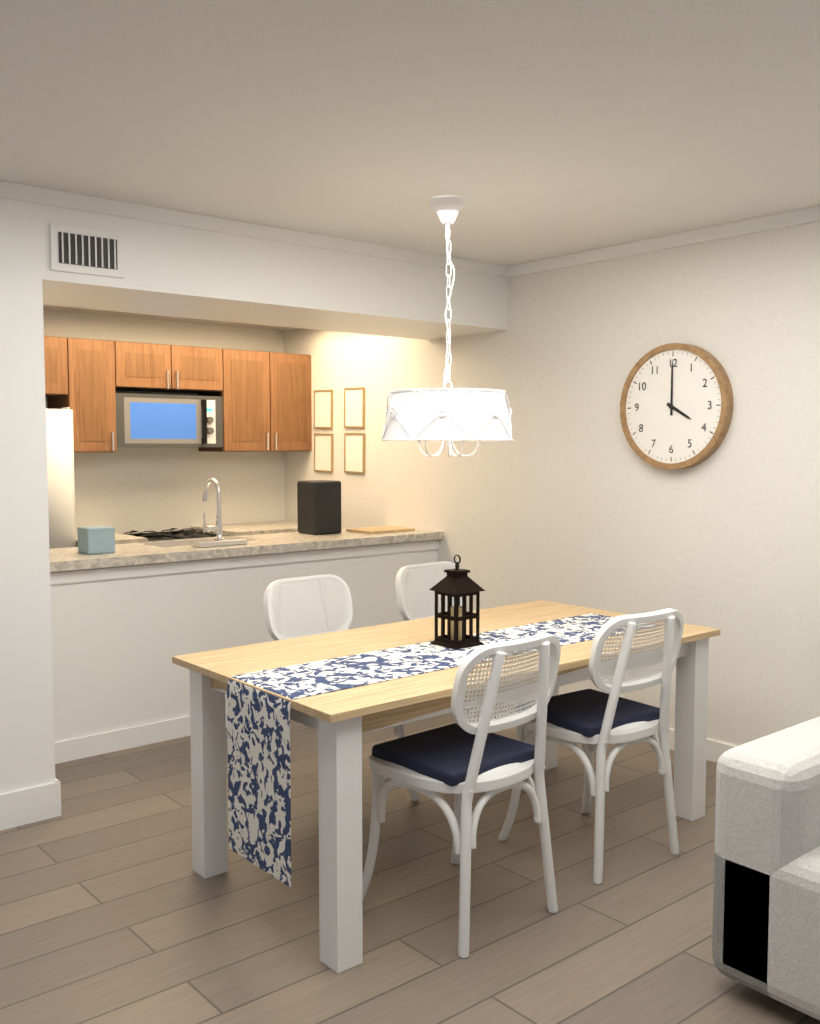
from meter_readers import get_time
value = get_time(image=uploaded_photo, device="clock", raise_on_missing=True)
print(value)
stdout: 4:00
